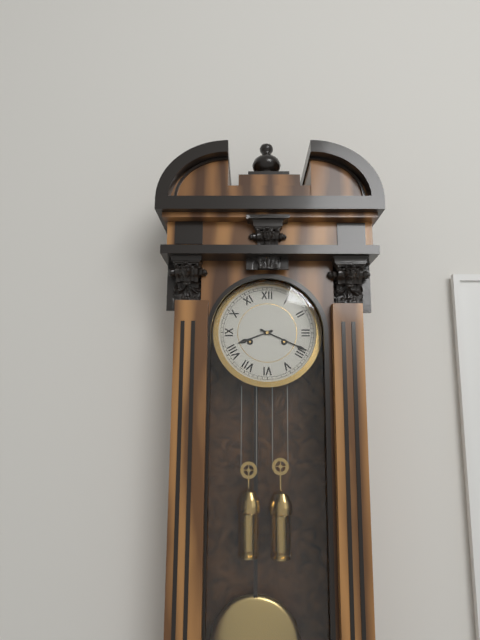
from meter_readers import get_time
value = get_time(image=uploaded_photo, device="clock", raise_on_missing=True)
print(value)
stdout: 8:19
